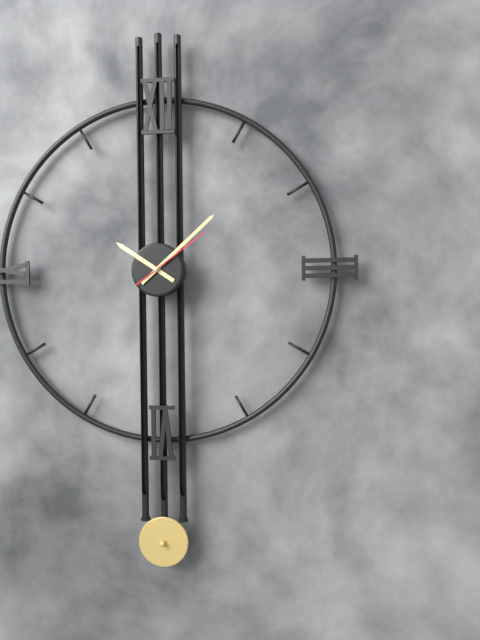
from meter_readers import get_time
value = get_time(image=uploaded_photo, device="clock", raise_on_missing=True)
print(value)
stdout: 10:08:09
